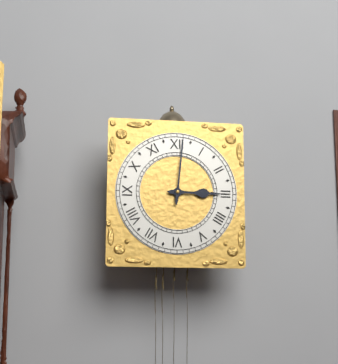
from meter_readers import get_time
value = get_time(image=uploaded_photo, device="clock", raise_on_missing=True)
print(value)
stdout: 3:01
